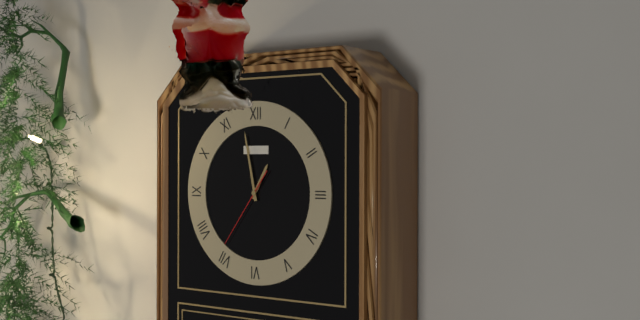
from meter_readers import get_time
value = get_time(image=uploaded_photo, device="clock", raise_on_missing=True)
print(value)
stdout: 12:58:36
